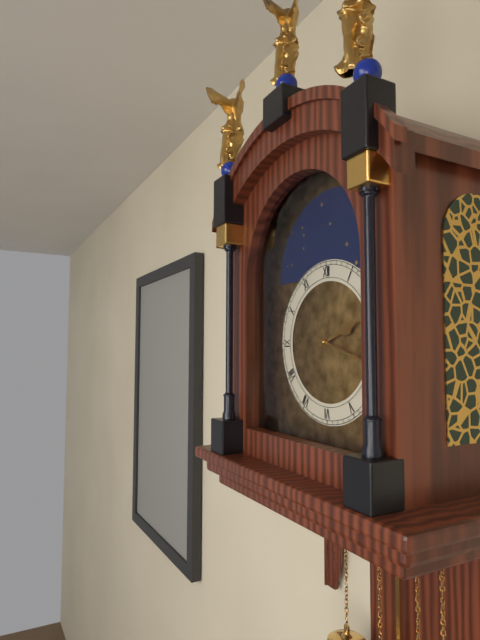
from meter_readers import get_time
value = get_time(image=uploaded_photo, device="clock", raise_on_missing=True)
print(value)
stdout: 2:18
